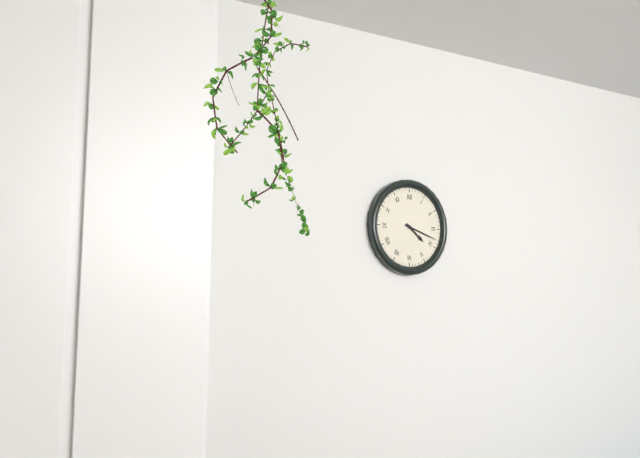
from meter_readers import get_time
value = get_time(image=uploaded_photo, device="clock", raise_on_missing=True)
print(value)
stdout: 4:18
